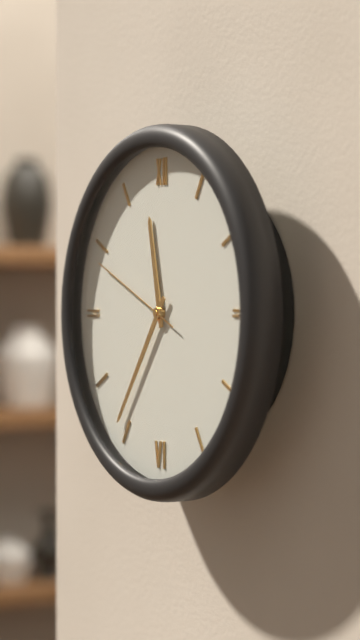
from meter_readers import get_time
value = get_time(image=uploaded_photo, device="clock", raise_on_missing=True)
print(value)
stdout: 11:36:49
